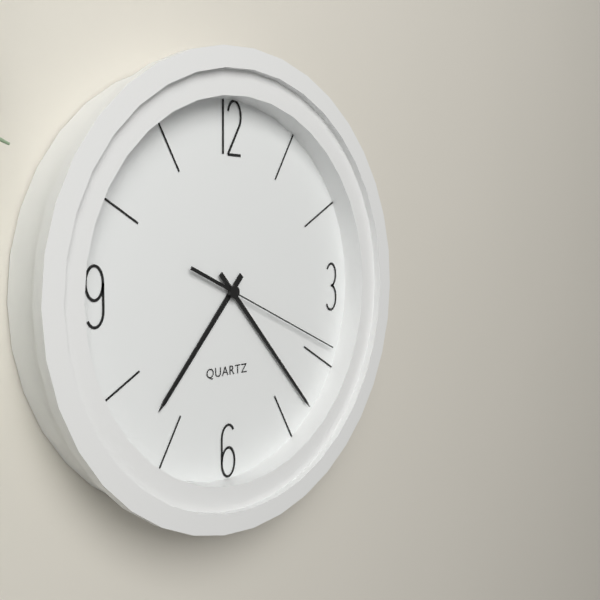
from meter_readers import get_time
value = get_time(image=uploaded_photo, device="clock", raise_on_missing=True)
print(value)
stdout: 7:23:19
